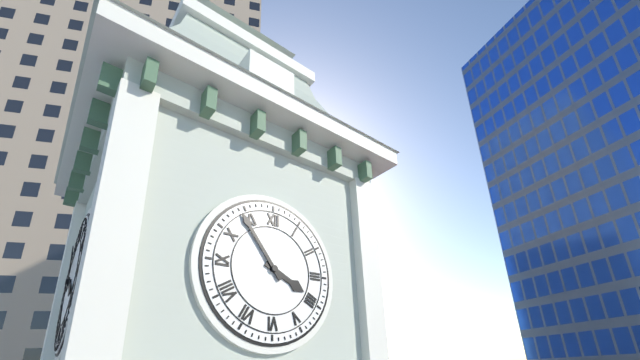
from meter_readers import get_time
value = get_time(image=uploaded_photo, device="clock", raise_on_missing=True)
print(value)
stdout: 3:54
